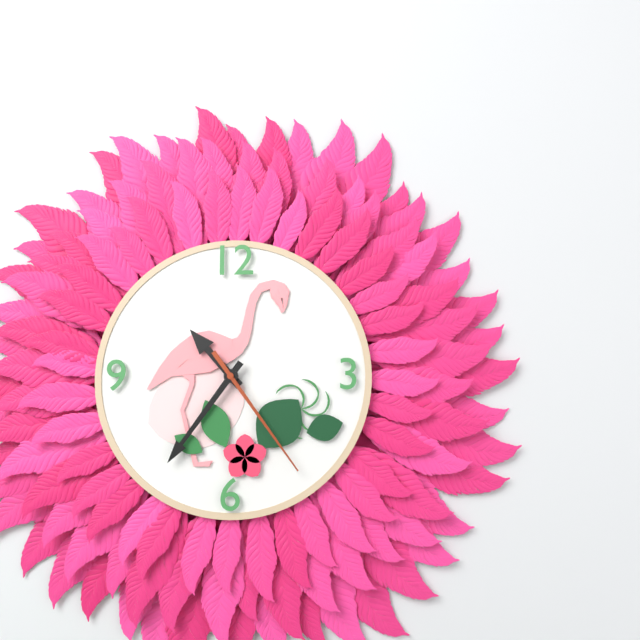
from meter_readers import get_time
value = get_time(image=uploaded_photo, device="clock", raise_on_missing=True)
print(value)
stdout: 10:36:24
